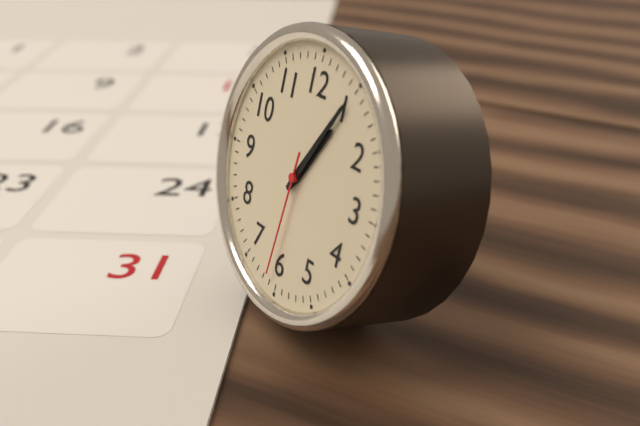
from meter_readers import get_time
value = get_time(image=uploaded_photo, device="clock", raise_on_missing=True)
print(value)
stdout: 1:05:31
